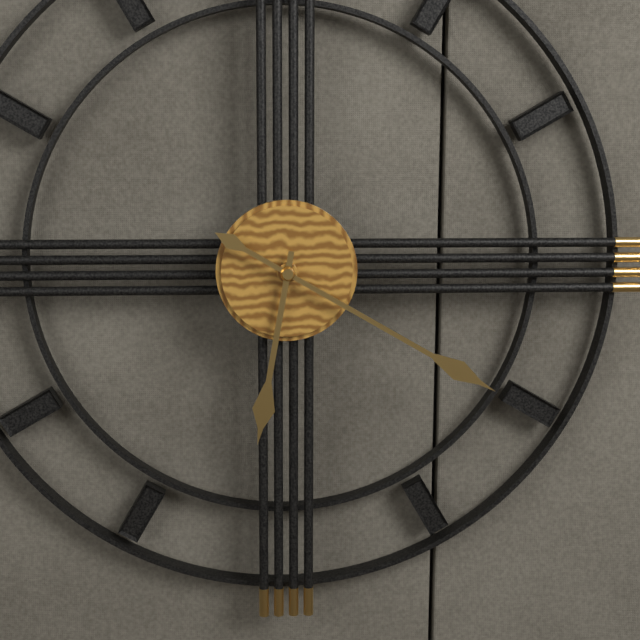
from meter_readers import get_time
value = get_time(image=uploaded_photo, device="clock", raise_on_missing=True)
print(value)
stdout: 6:20
